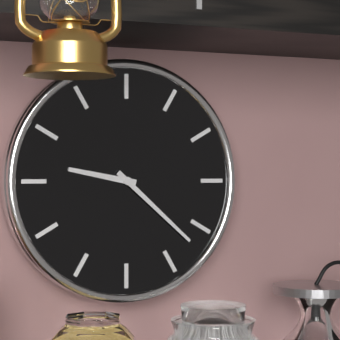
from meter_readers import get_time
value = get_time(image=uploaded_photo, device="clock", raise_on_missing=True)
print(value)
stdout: 9:22
